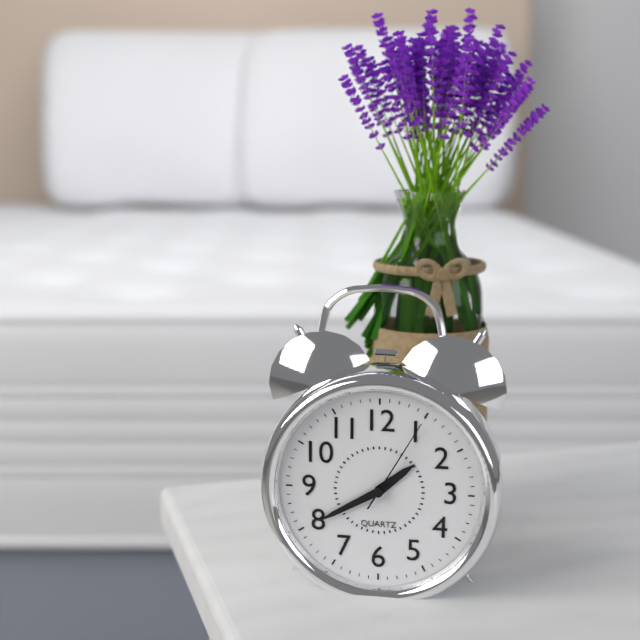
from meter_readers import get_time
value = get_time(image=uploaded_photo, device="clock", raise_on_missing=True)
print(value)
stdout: 1:40:05
